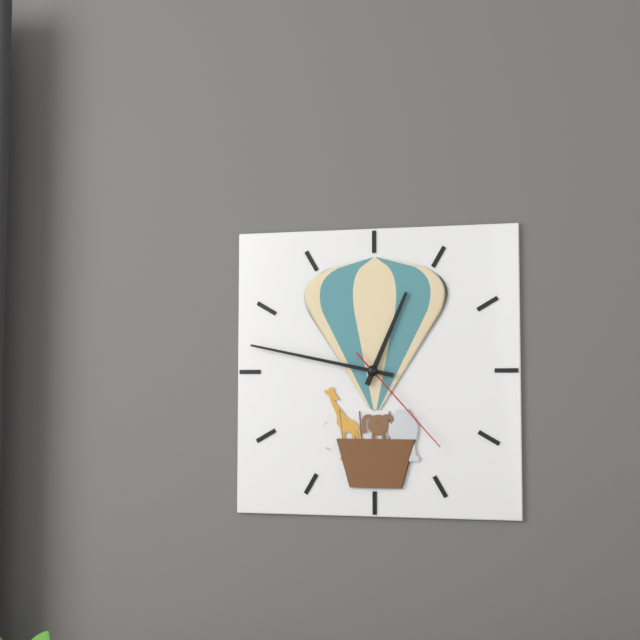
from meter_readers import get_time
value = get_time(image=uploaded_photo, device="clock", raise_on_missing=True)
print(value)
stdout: 12:47:23
